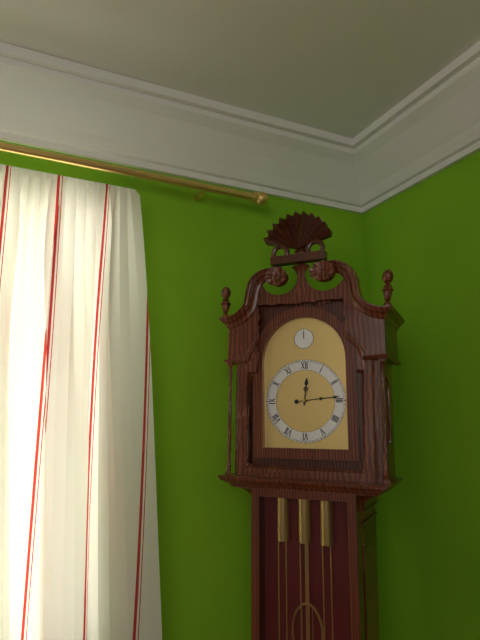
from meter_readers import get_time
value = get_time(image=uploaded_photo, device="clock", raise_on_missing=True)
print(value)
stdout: 12:14
